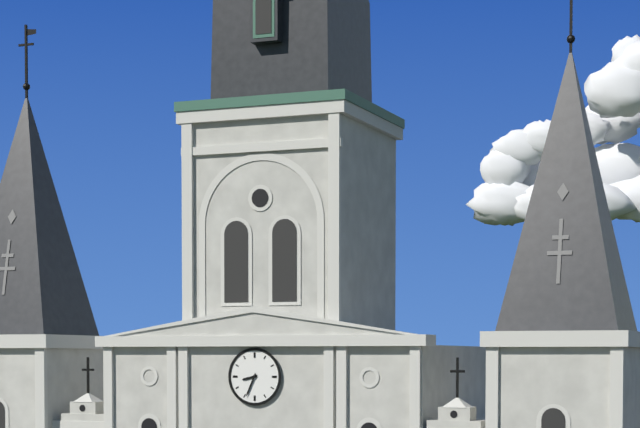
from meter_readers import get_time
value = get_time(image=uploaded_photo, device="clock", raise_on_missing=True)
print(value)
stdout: 8:34
